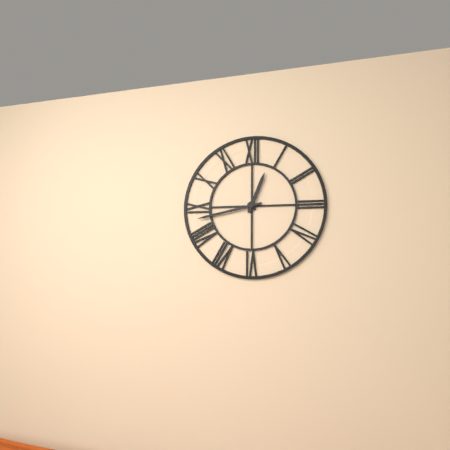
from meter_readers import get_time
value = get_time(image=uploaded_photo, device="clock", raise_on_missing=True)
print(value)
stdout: 12:43
